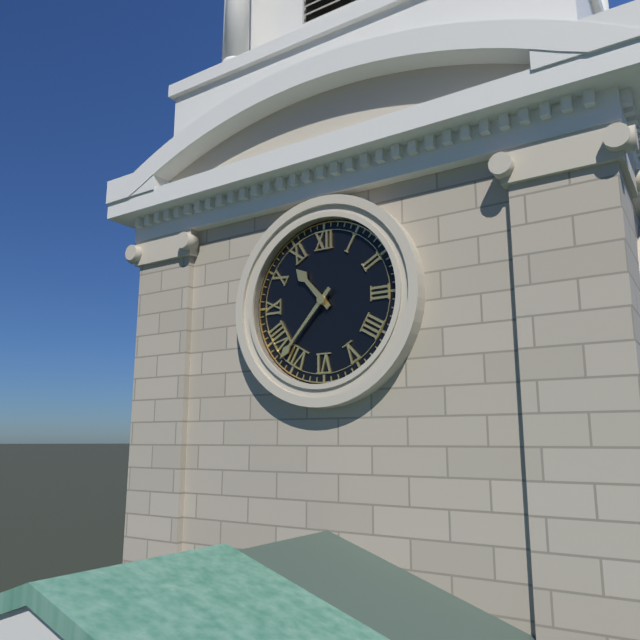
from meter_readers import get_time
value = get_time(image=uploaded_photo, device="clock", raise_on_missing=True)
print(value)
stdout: 10:37
